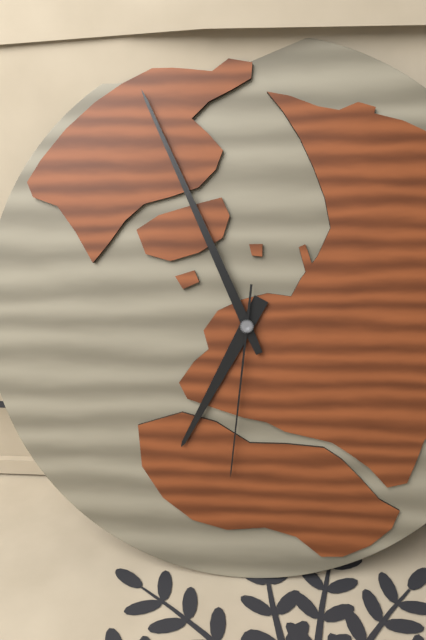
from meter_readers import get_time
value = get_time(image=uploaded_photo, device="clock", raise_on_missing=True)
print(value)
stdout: 6:56:31
